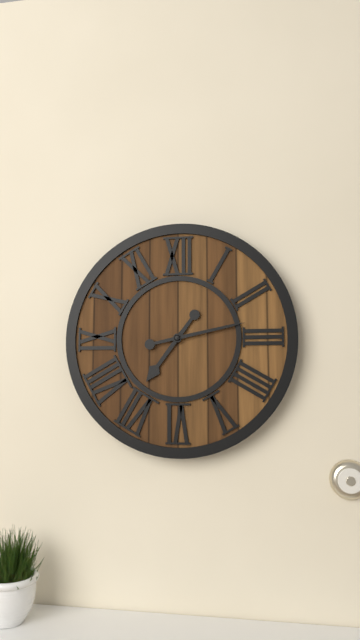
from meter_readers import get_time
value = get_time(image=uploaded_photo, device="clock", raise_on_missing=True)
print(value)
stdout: 7:13
